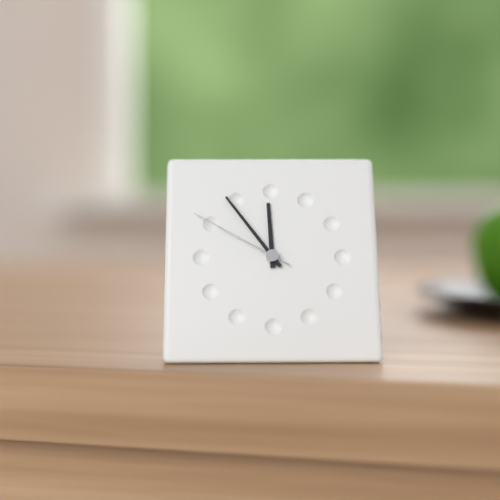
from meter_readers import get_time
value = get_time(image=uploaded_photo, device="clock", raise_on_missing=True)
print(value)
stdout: 11:54:50
